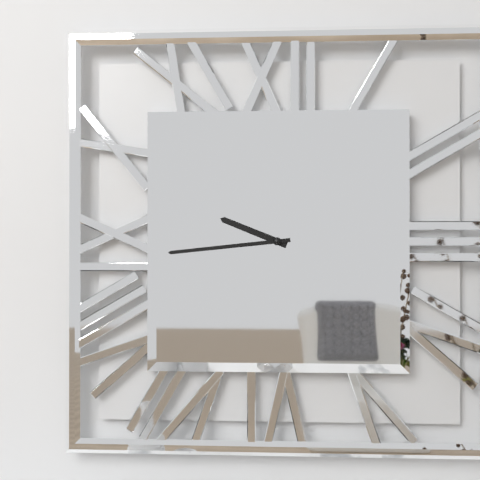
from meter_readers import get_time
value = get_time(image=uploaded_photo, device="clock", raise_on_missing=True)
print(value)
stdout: 9:44
